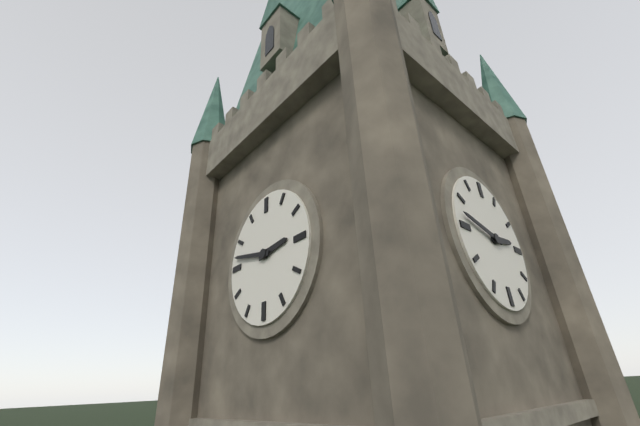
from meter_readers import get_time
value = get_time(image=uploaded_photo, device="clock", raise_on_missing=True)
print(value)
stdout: 2:47
